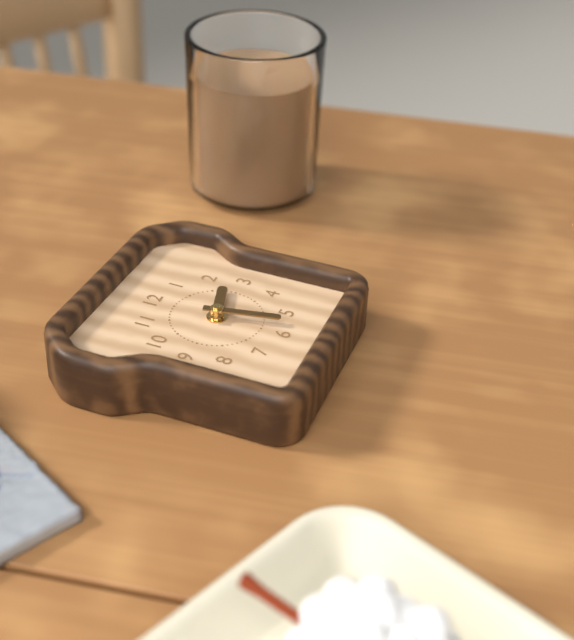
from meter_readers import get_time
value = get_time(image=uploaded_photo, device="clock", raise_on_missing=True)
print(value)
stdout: 2:28
